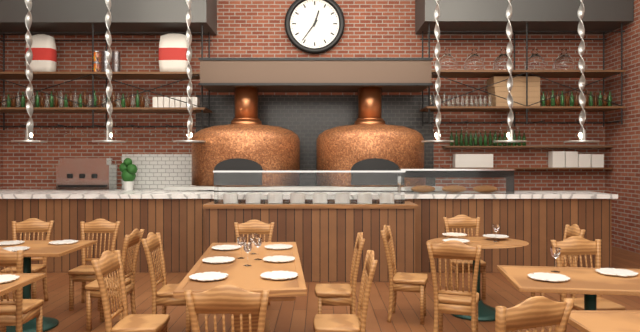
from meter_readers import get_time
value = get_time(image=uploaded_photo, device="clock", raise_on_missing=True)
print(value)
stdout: 12:36
